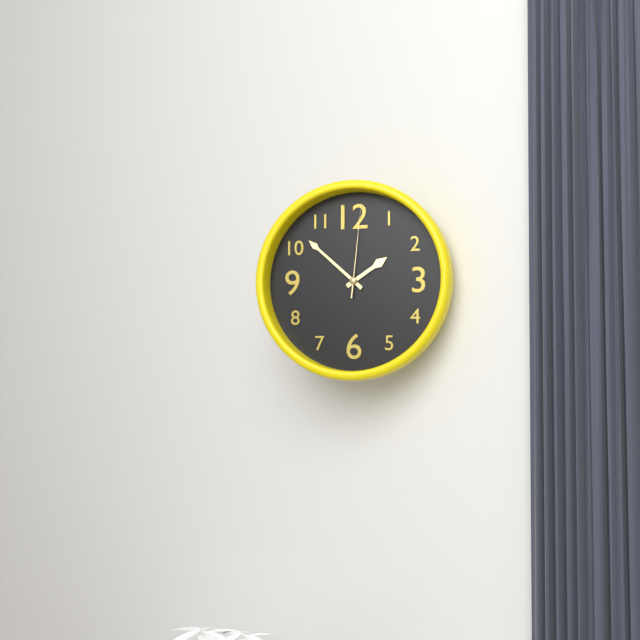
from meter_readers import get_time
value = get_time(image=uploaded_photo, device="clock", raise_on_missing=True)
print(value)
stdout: 1:52:01
